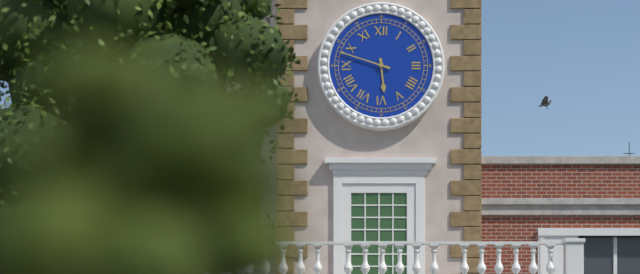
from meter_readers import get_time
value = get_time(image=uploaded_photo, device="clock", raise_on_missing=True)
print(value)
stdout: 5:48
